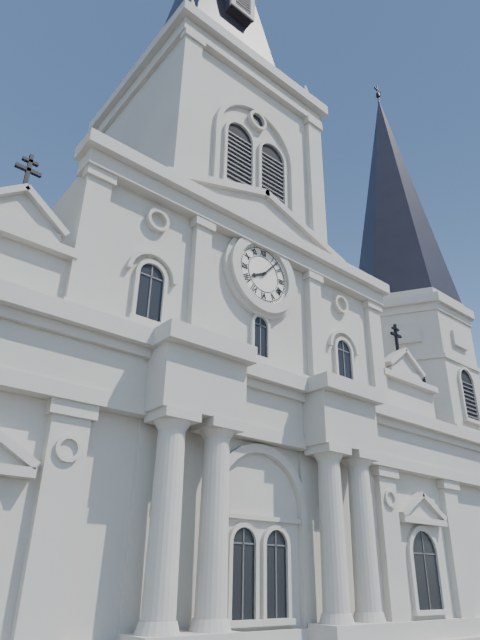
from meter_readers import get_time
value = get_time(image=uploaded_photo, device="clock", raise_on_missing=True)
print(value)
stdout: 8:07
